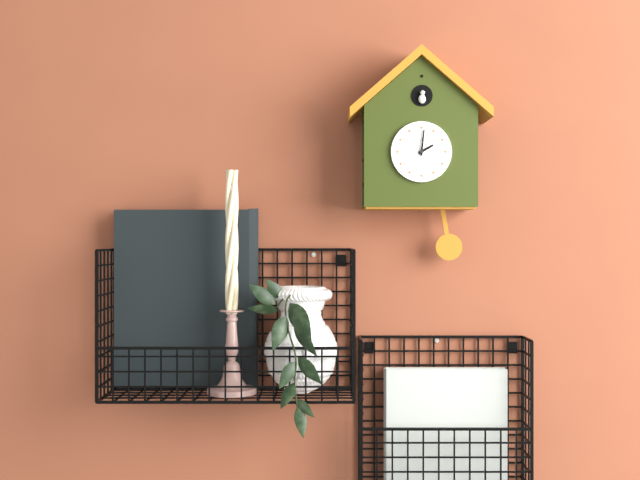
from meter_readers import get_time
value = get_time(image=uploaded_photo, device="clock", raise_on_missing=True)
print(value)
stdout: 2:01
